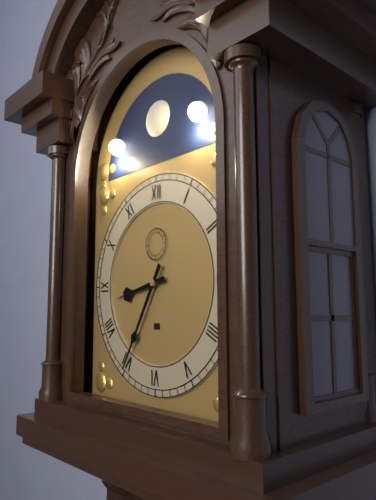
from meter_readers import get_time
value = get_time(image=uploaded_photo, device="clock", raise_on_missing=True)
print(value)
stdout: 8:35
